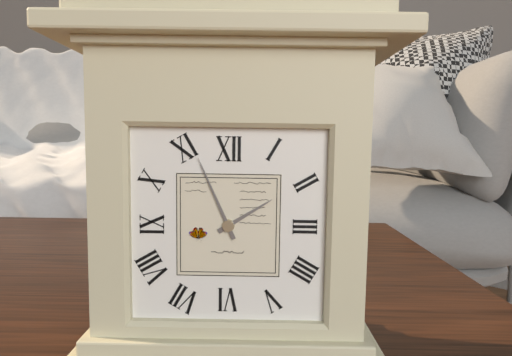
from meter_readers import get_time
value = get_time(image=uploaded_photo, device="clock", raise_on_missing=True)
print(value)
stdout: 1:56
